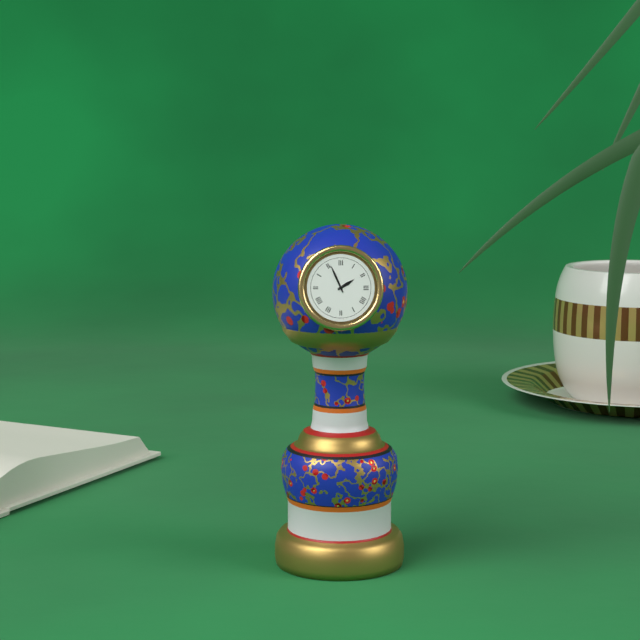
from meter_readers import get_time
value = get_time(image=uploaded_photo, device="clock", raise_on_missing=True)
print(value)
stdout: 1:56
